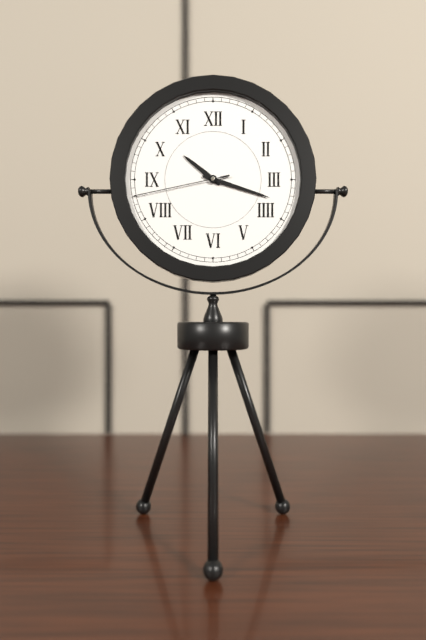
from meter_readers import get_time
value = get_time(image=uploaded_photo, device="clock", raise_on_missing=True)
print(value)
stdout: 10:18:43
